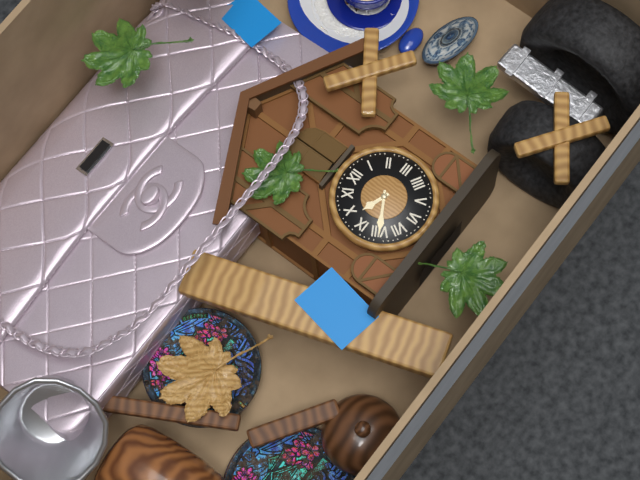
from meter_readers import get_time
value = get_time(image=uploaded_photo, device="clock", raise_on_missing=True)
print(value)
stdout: 9:40
